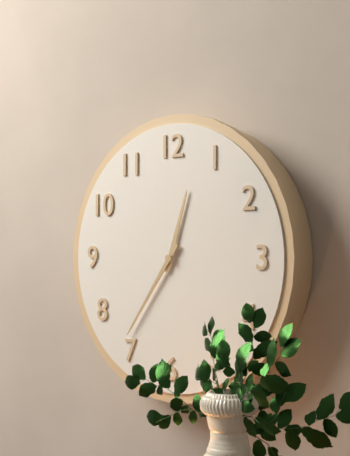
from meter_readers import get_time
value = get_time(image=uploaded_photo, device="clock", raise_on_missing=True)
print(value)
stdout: 12:36
